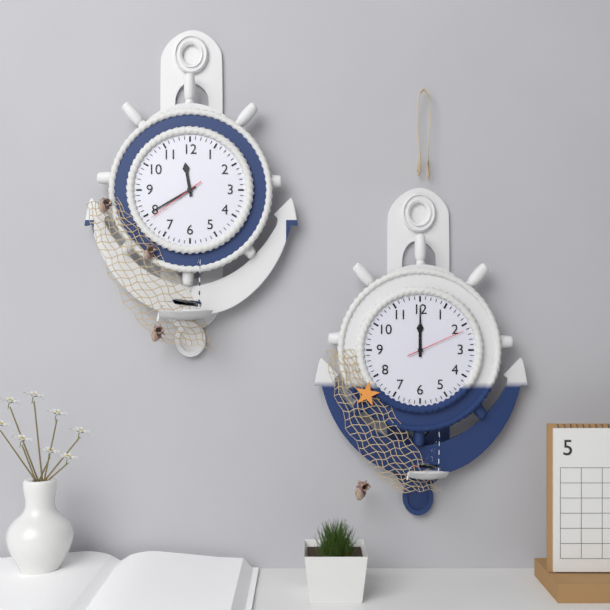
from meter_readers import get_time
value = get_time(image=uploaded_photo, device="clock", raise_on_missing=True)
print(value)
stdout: 11:40:39
